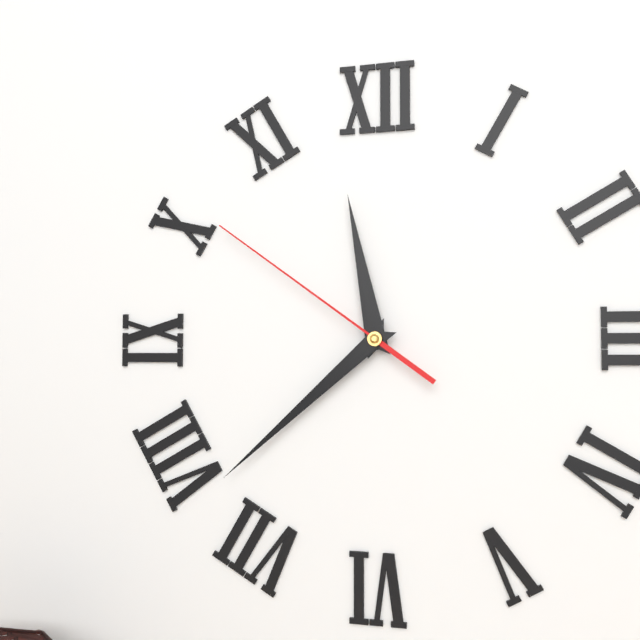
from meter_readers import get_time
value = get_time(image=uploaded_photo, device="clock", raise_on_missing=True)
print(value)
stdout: 11:38:51
